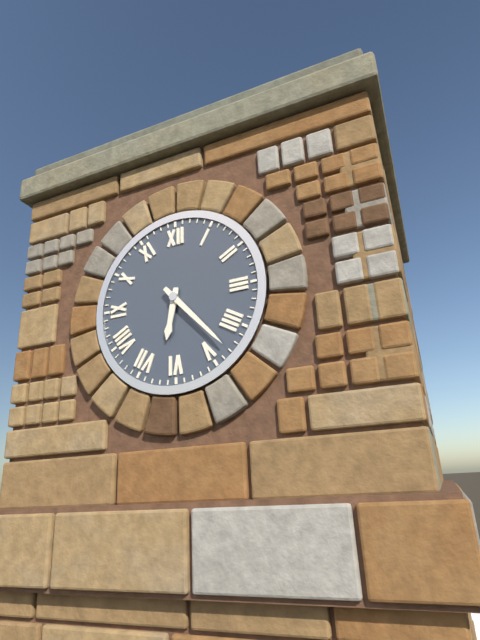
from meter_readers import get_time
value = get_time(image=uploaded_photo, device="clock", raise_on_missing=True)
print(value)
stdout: 6:23
